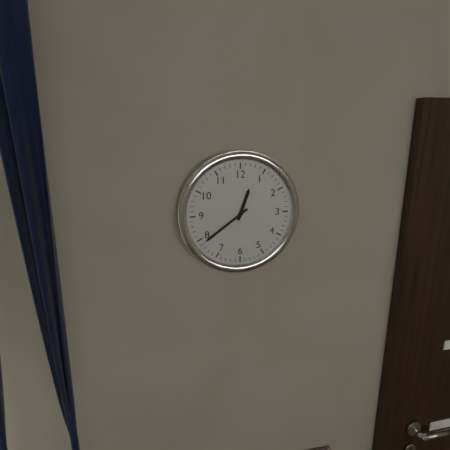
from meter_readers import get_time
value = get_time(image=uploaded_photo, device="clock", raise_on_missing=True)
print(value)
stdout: 12:39
